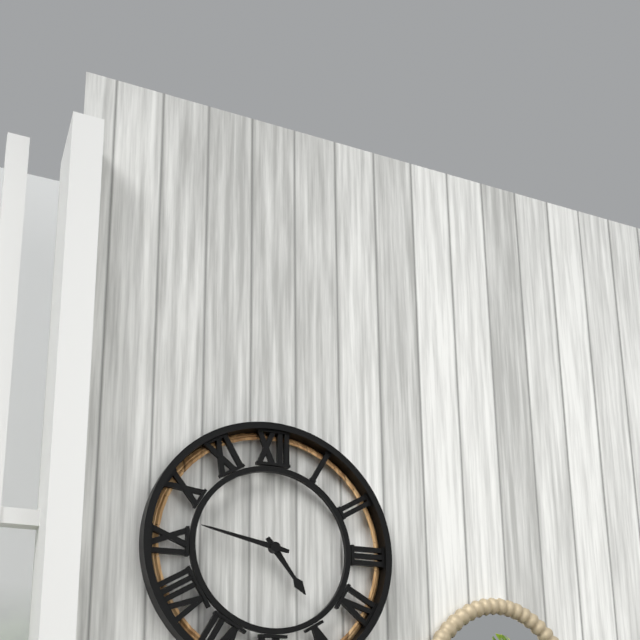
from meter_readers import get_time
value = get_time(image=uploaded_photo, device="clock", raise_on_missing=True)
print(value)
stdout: 4:47
